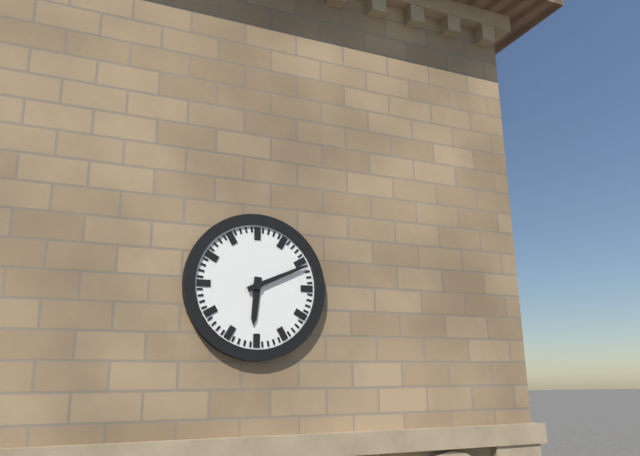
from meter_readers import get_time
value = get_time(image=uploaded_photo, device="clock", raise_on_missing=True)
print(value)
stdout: 6:11
